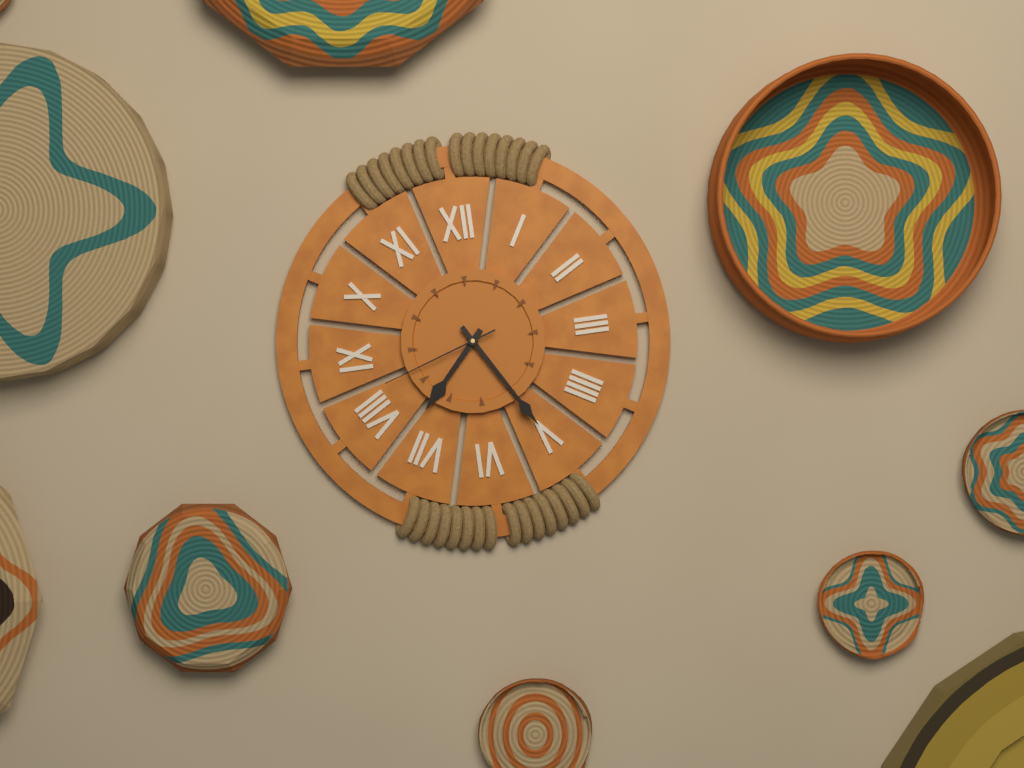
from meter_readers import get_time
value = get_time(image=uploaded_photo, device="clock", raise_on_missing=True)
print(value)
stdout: 7:25:42
